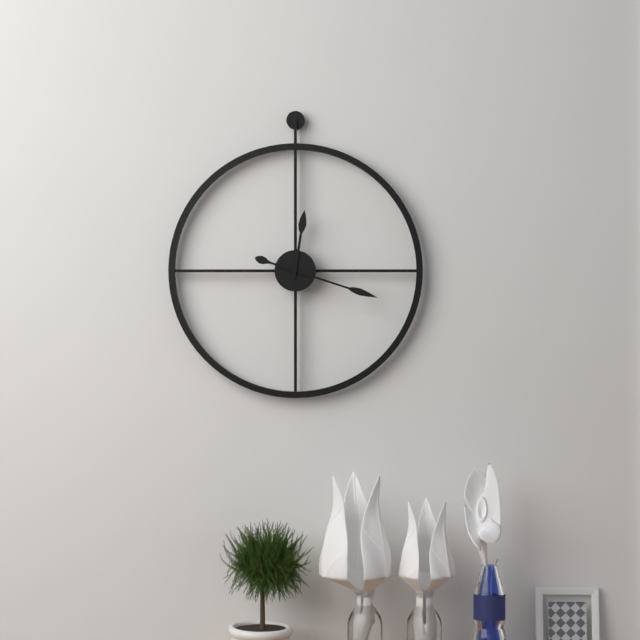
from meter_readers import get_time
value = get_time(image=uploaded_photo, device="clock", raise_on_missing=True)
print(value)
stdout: 12:18
